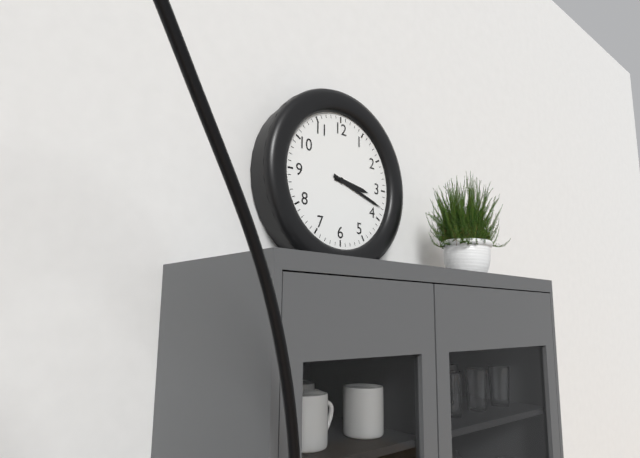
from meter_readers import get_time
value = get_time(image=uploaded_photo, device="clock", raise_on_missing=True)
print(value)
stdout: 3:18
